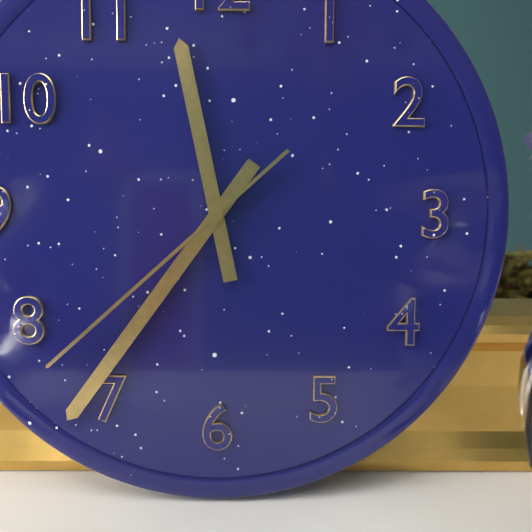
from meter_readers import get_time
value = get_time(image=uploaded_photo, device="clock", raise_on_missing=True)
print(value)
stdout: 11:36:38
